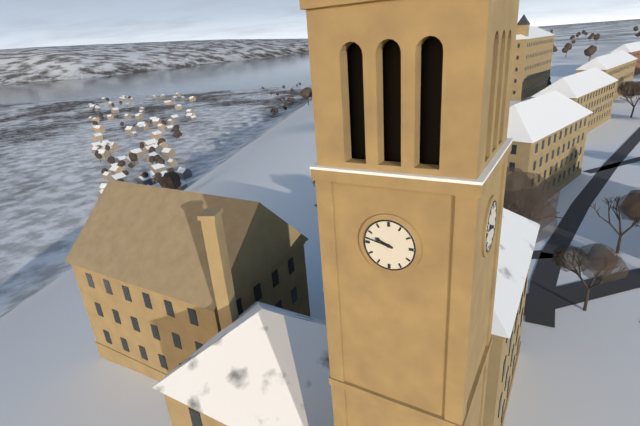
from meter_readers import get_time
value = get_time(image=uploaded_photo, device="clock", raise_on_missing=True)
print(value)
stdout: 9:47
